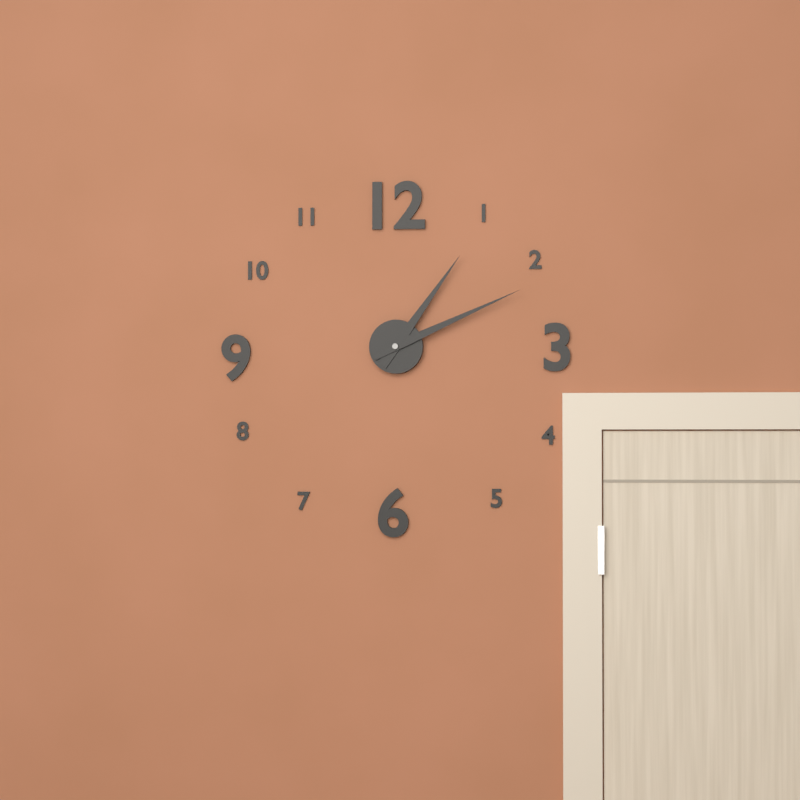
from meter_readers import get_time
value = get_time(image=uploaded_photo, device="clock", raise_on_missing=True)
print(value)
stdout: 1:11
